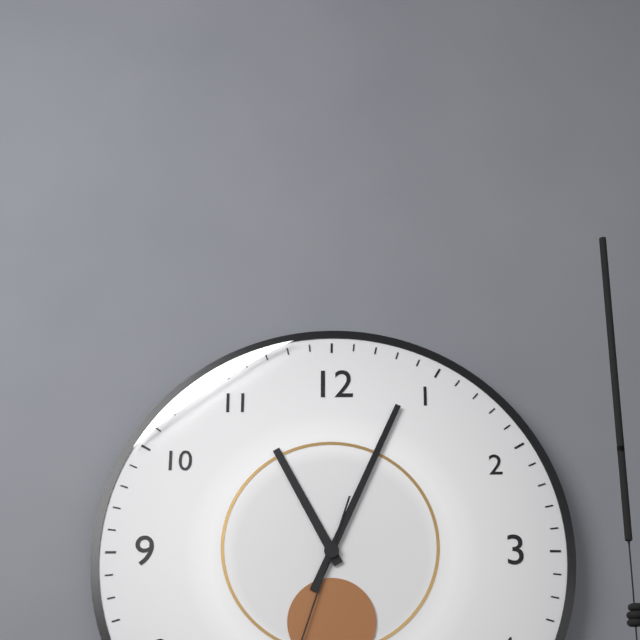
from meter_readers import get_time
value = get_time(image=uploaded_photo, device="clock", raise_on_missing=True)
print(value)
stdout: 11:04
